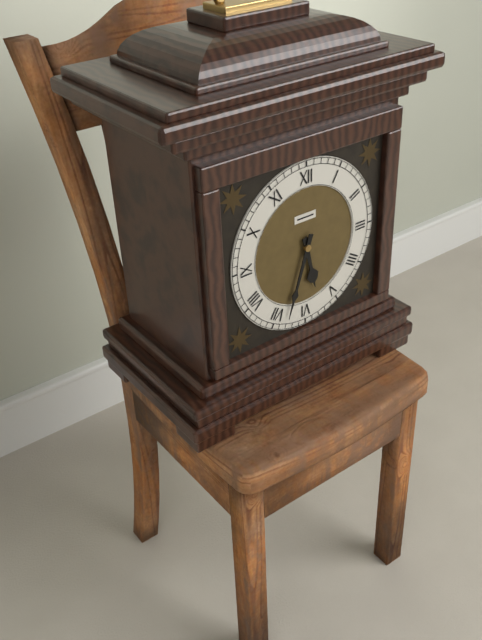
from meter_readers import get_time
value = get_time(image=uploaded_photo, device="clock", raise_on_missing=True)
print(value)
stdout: 5:33
